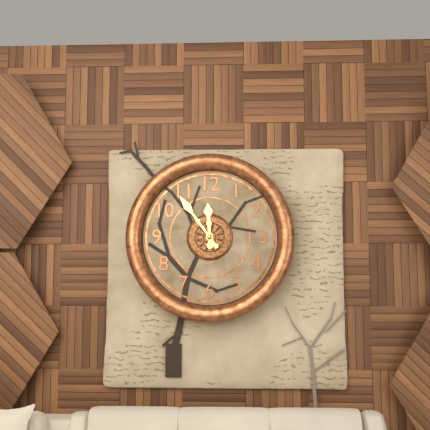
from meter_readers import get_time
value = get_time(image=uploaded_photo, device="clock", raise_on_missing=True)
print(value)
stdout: 11:54
